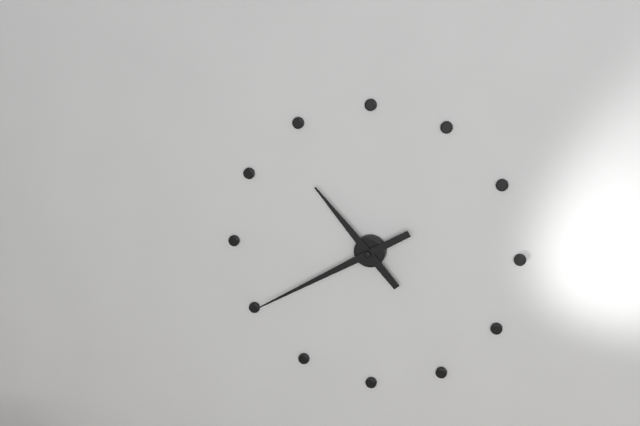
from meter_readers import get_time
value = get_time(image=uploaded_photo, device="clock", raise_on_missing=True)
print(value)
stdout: 10:40
